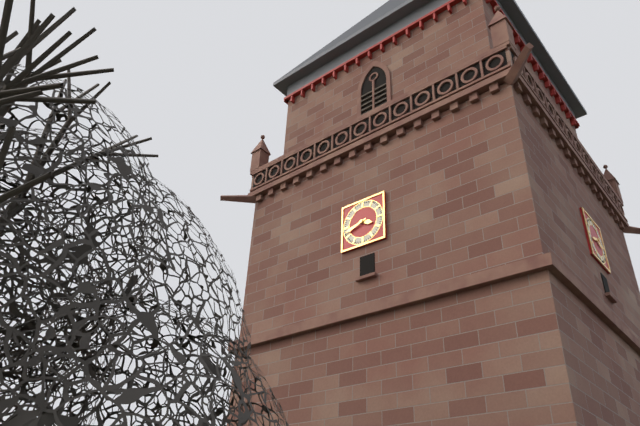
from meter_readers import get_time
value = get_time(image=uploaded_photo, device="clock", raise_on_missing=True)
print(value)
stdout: 3:42
